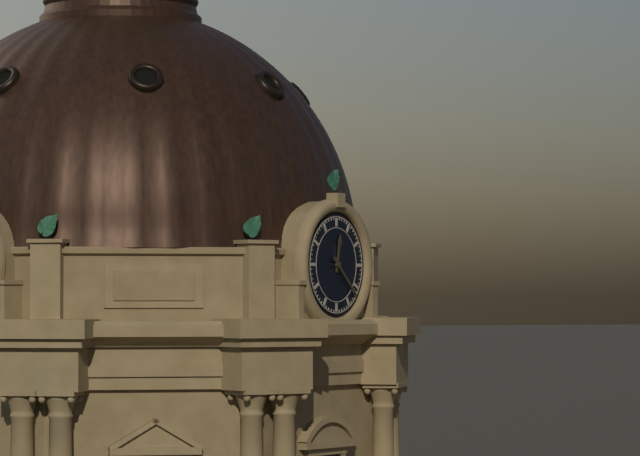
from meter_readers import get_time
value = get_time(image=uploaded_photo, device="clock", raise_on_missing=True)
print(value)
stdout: 12:22
